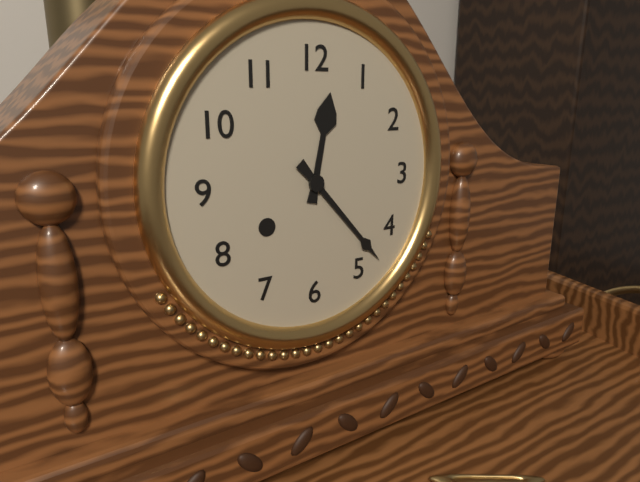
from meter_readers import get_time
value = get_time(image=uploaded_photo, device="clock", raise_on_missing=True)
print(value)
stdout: 12:23
